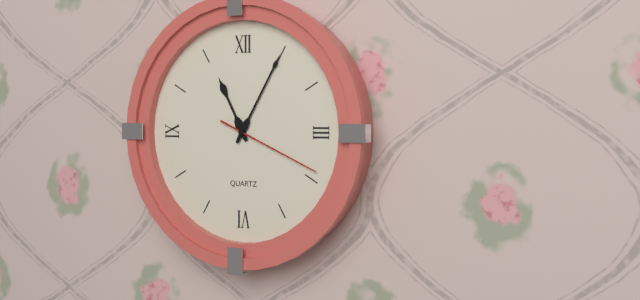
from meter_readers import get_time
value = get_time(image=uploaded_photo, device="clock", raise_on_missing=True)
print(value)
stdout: 11:05:19
